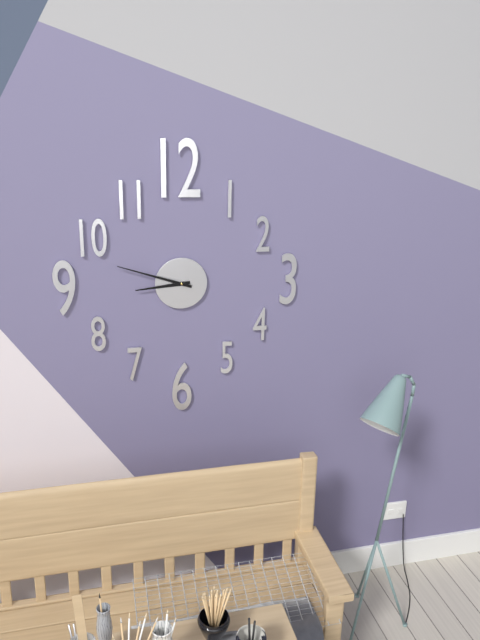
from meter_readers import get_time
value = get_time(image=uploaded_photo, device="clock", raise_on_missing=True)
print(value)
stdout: 8:48
